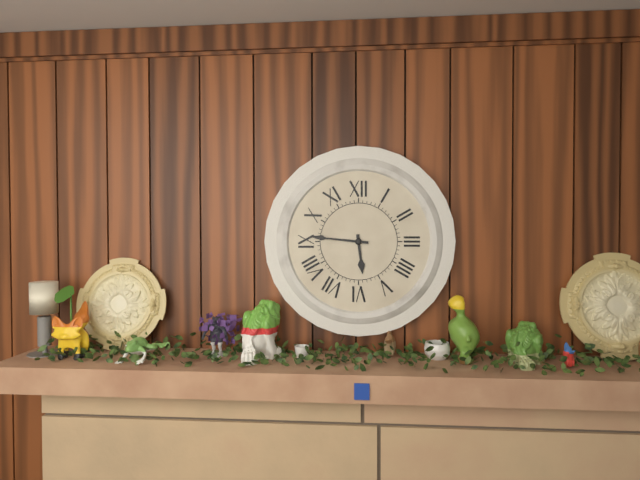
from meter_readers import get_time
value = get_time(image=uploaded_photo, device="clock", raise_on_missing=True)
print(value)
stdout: 5:46
